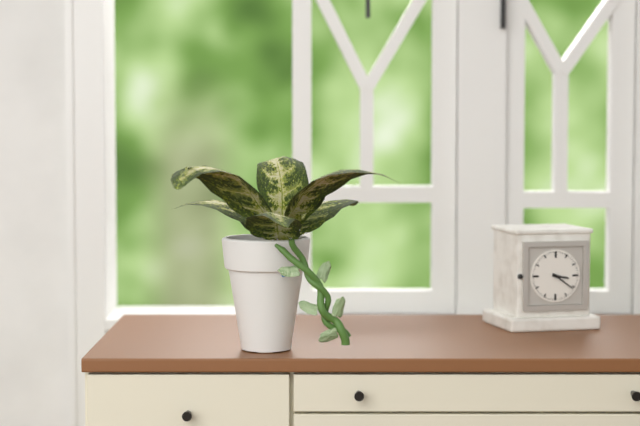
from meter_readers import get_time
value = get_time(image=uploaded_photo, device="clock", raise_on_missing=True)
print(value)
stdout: 3:21
